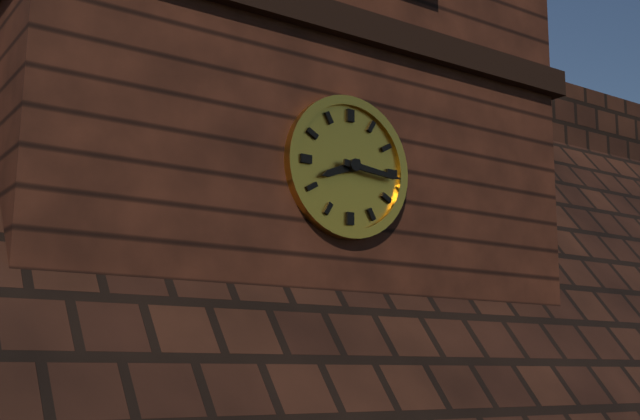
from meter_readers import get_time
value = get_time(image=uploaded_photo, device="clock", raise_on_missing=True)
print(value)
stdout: 8:16
